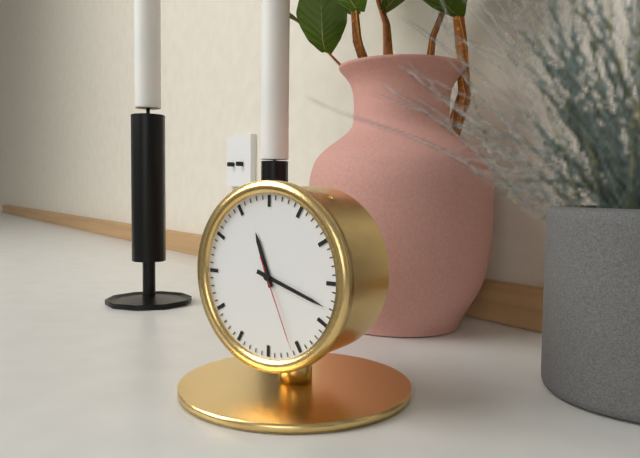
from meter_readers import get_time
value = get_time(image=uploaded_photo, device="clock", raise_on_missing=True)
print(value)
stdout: 11:18:26
